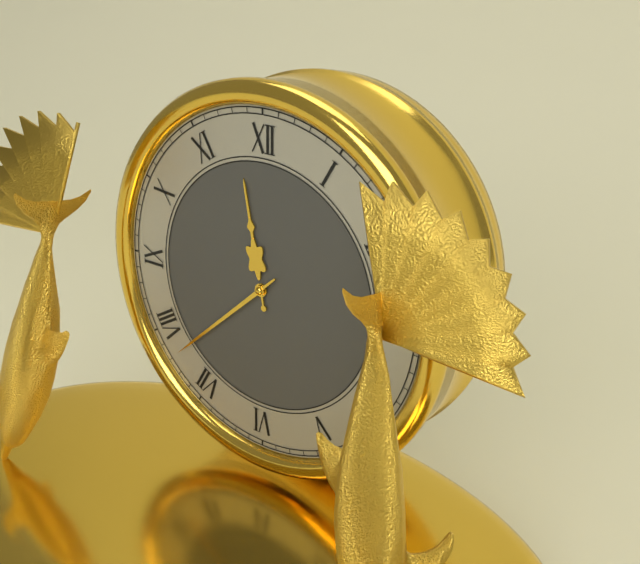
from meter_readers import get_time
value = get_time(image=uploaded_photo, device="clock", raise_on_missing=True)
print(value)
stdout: 11:38
